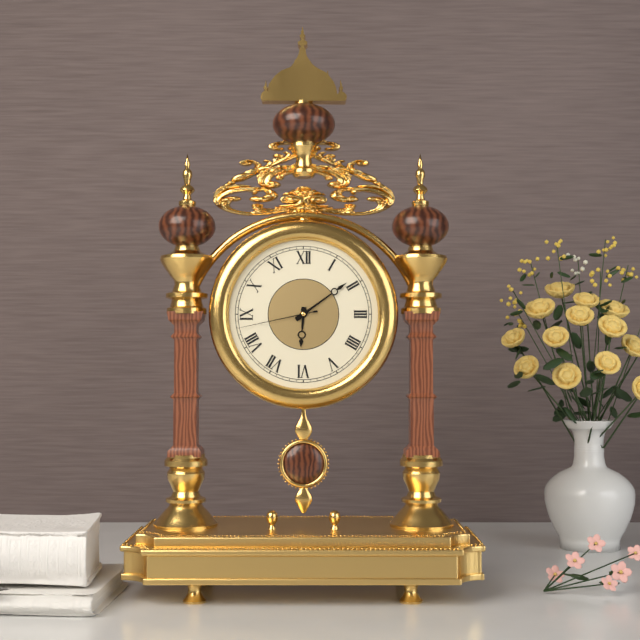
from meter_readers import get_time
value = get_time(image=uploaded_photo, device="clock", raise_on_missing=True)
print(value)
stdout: 6:09:43
